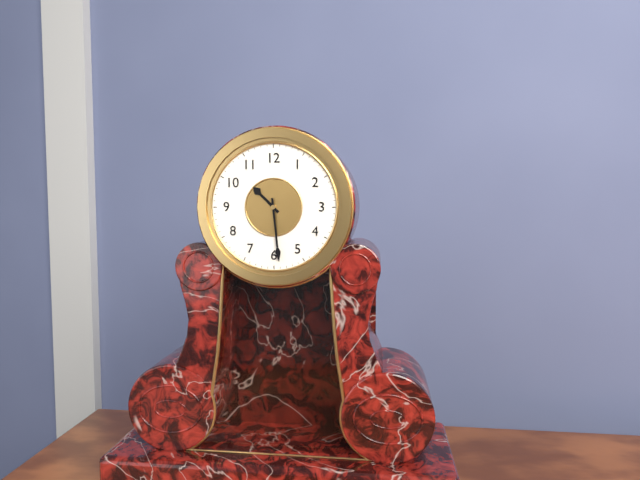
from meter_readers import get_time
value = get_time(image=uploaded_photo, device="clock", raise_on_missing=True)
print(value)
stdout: 10:29
